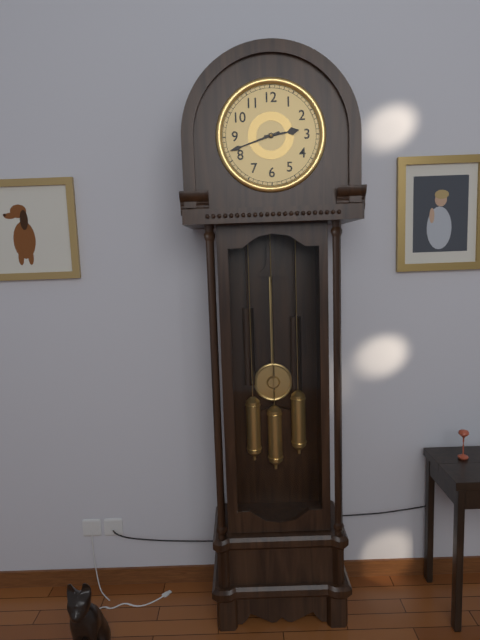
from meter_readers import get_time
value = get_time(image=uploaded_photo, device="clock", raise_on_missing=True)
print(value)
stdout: 2:42
